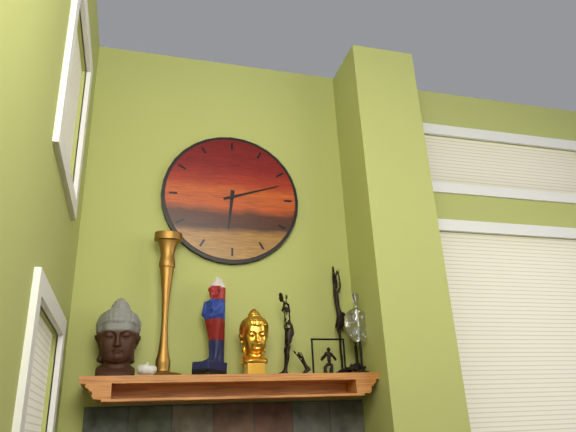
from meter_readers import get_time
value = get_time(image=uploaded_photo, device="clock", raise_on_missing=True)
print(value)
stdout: 6:12
